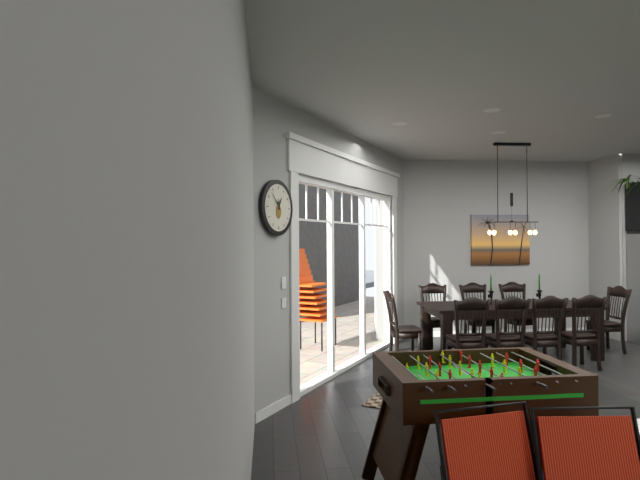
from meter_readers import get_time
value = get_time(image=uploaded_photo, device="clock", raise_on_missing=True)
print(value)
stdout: 12:53
